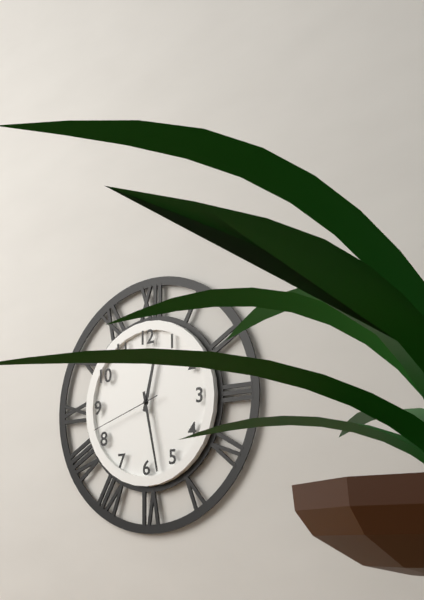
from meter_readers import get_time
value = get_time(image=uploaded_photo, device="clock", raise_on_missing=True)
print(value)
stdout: 12:28:42
